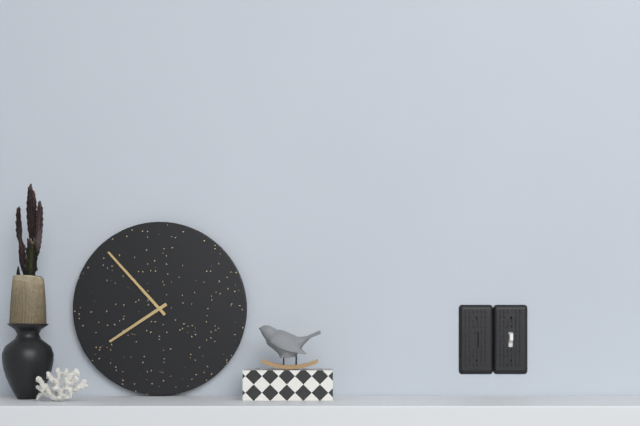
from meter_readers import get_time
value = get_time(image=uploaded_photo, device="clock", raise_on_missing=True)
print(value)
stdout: 7:53
